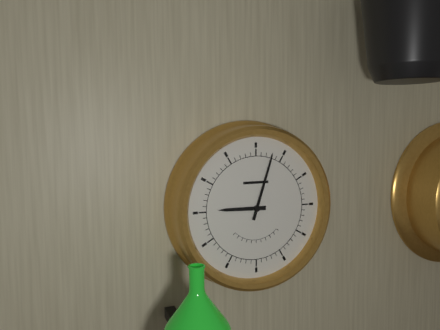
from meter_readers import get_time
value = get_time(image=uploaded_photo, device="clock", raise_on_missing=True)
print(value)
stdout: 9:03
